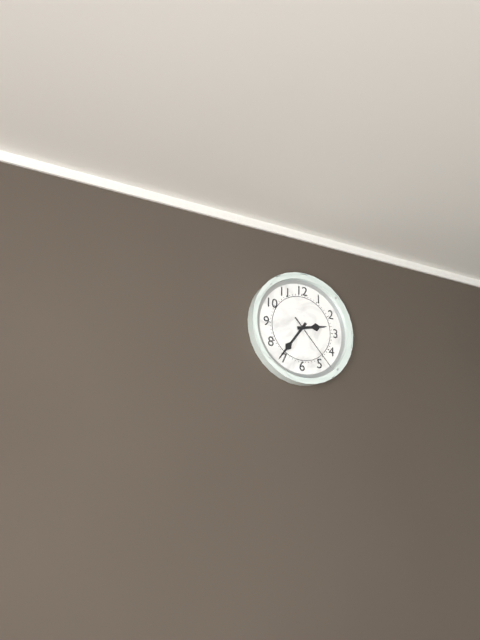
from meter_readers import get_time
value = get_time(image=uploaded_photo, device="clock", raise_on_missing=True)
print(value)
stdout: 2:36:23
